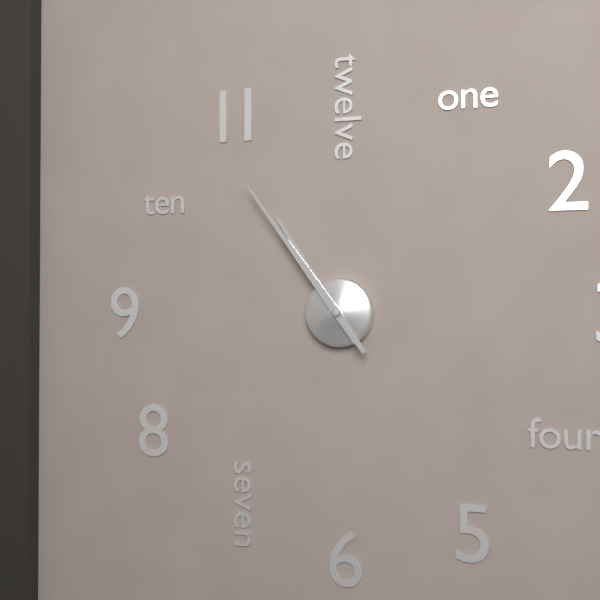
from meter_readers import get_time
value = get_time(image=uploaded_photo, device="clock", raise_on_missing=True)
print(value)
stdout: 10:54
